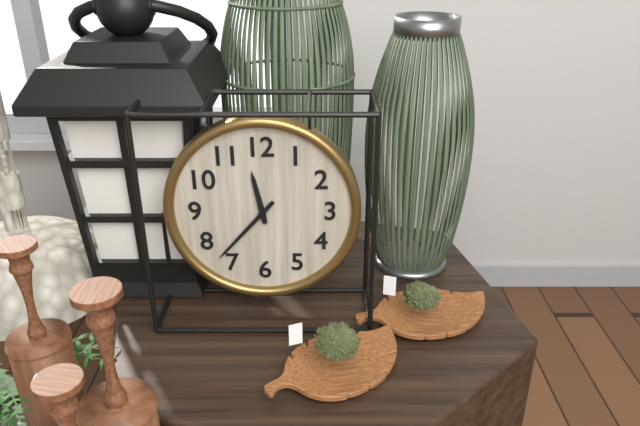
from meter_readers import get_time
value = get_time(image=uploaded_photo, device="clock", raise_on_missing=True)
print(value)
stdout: 11:37
